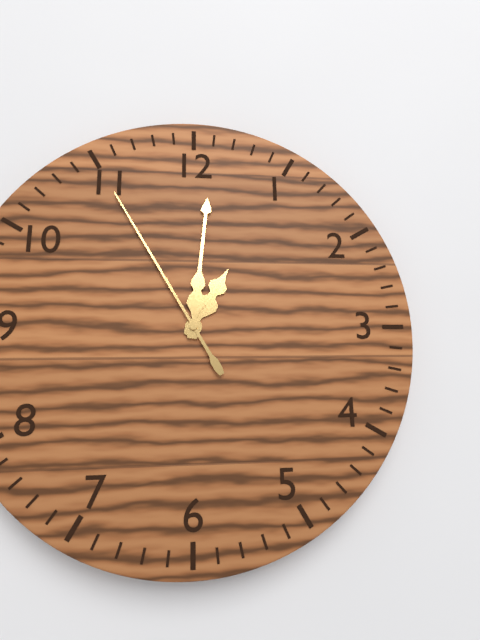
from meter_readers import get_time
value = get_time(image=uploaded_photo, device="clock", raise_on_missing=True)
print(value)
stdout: 1:01:55
